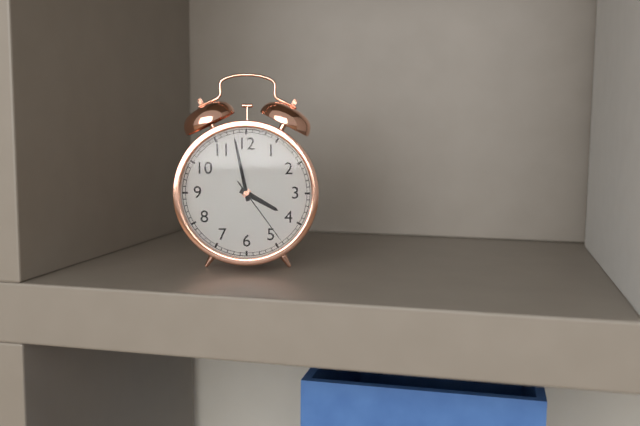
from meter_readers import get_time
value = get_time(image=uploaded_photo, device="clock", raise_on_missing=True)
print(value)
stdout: 3:58:24
